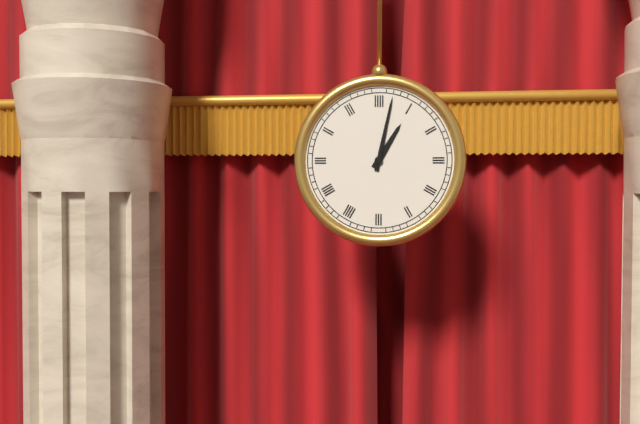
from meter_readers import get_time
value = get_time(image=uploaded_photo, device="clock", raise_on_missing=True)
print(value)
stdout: 1:02
